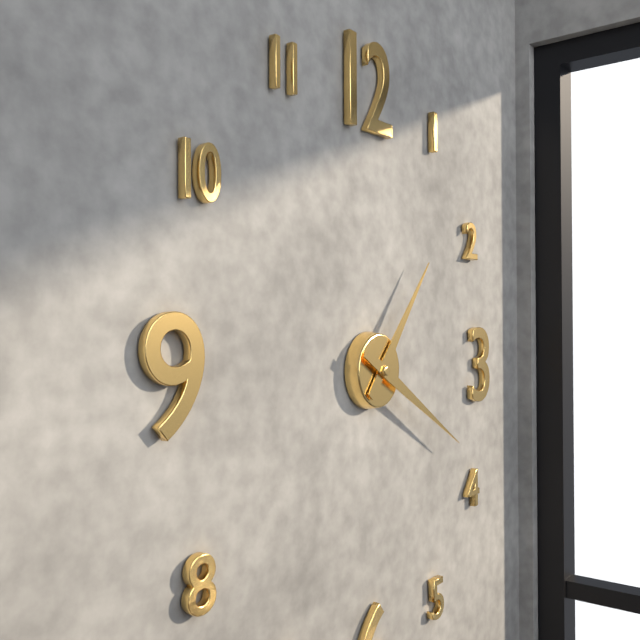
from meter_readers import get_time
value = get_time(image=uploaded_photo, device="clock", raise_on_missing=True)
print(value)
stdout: 1:20
